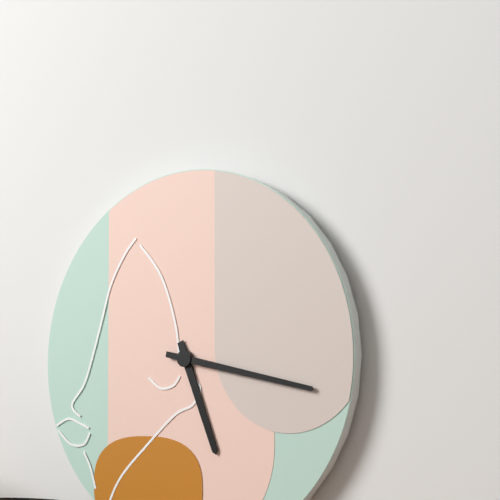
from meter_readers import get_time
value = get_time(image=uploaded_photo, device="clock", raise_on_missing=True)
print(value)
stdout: 5:17
